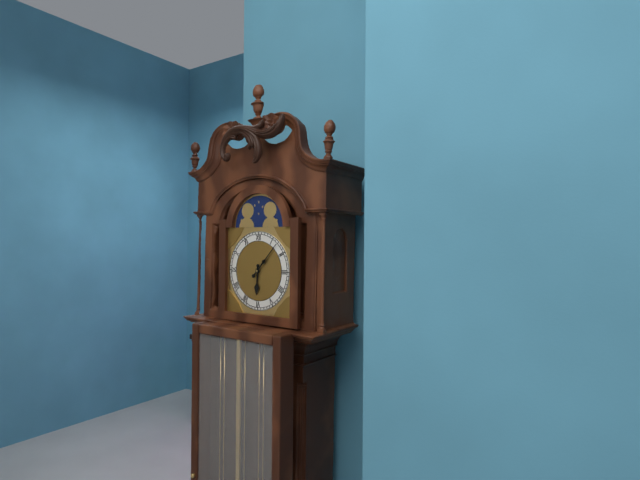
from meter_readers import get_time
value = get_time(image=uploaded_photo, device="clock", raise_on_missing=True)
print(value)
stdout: 6:07
